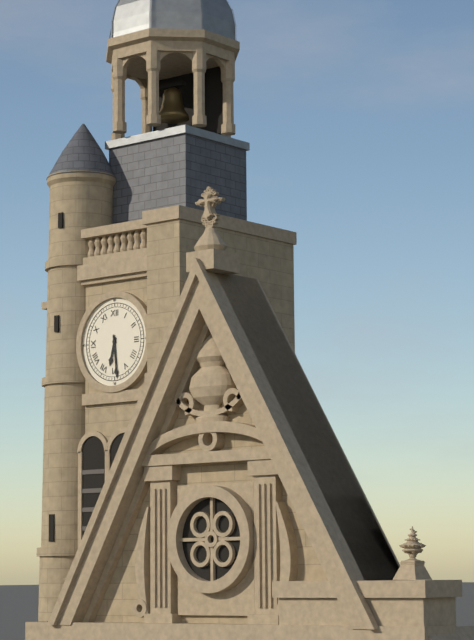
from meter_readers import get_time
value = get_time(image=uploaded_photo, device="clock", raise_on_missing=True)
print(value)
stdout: 6:29
